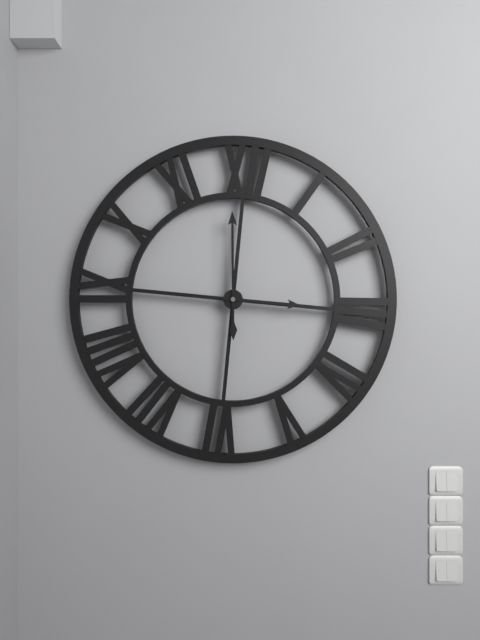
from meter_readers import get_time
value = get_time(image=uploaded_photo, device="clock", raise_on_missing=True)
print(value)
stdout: 2:59
